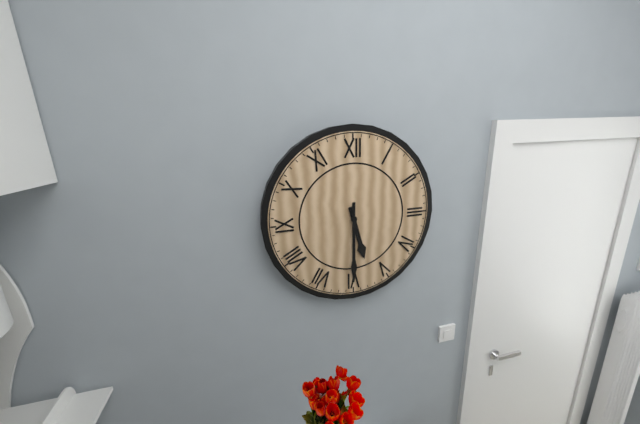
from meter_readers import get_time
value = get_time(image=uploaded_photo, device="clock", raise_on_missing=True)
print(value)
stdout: 5:30
